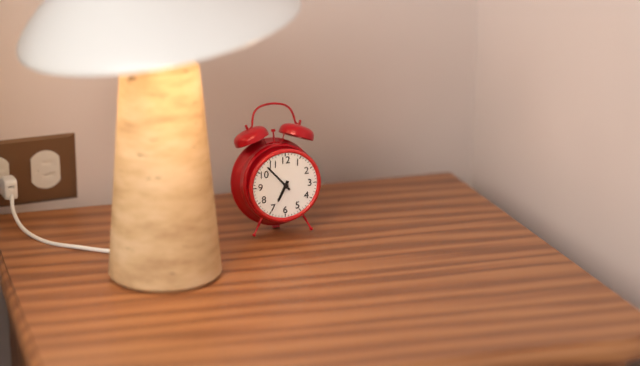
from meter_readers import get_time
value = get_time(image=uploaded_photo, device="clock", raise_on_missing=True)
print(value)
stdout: 6:53
